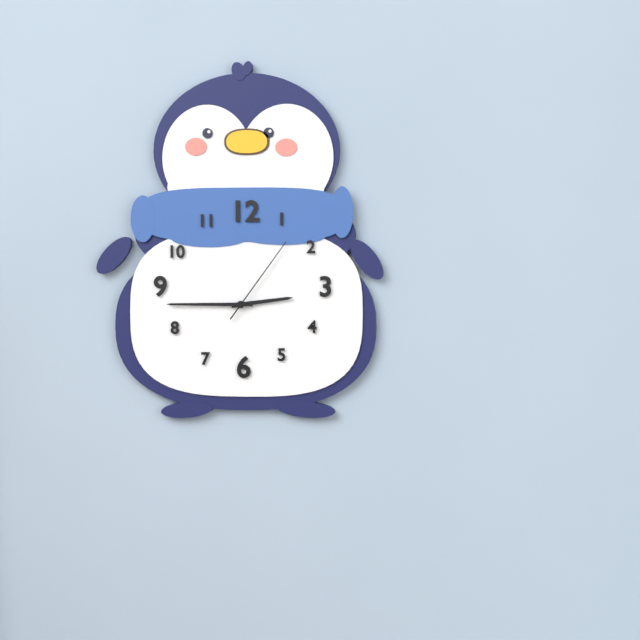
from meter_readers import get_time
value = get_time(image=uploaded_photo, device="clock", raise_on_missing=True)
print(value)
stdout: 2:45:06
